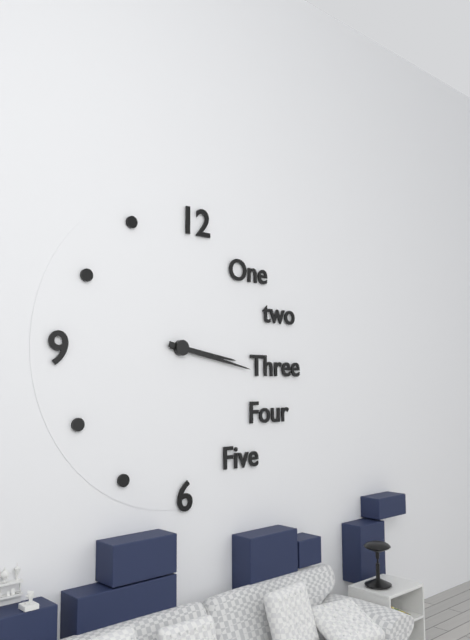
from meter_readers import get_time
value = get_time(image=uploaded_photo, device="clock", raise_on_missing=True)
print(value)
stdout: 3:17
